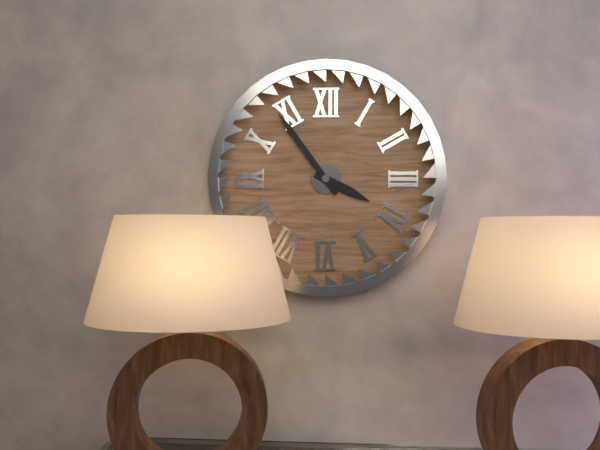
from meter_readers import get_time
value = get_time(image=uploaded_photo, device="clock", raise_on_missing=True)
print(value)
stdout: 3:54
